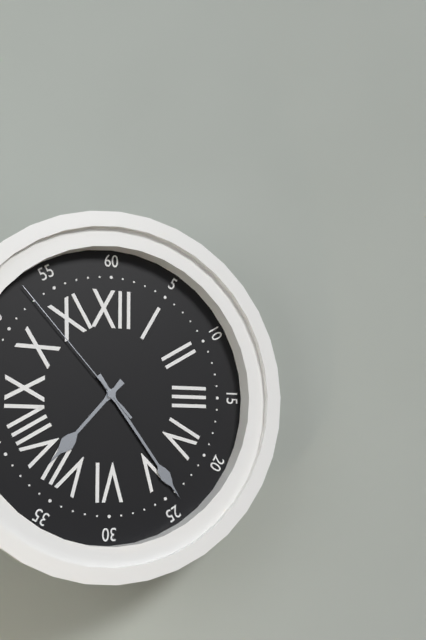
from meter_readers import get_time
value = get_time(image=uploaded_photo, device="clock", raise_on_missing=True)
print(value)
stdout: 7:24:53
